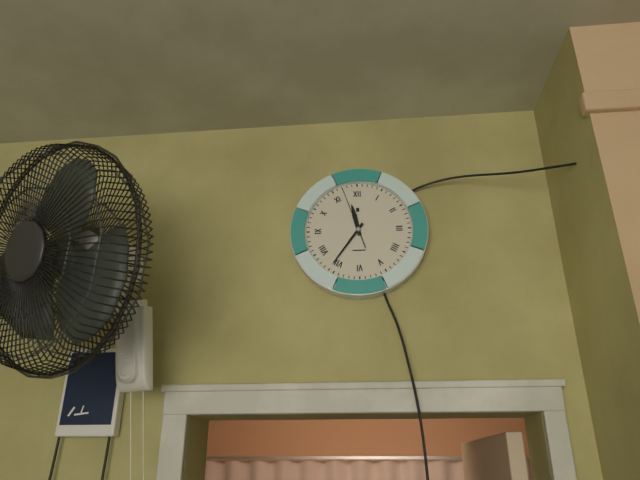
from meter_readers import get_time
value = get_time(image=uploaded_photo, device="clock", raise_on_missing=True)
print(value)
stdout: 11:36:57
